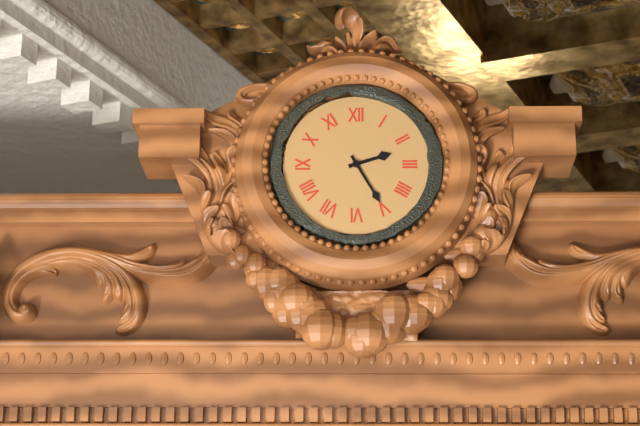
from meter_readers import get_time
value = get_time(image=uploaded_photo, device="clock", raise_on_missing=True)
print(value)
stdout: 2:25
